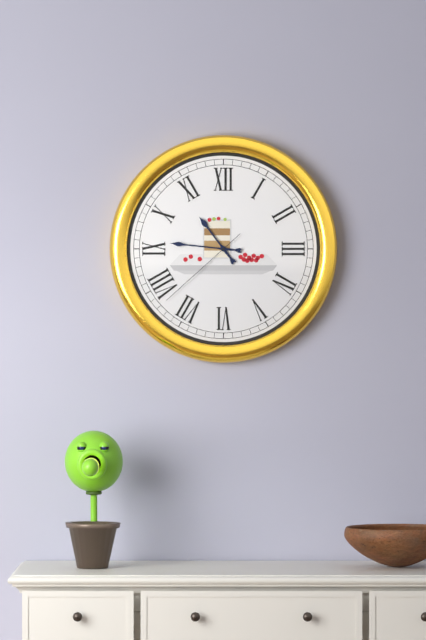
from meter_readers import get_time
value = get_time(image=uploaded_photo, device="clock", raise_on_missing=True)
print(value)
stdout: 10:46:38
